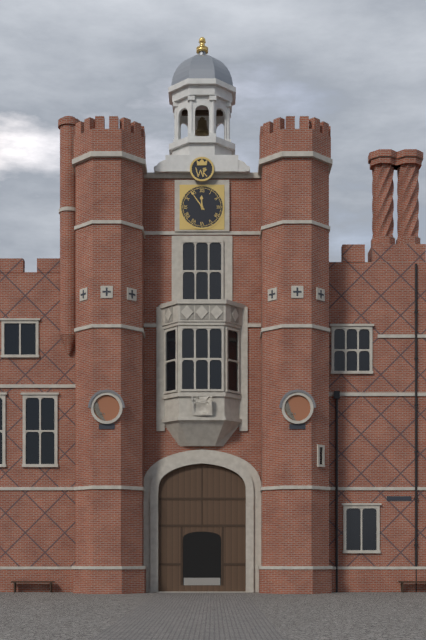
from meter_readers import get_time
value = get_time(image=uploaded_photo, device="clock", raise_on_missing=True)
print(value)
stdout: 11:54
